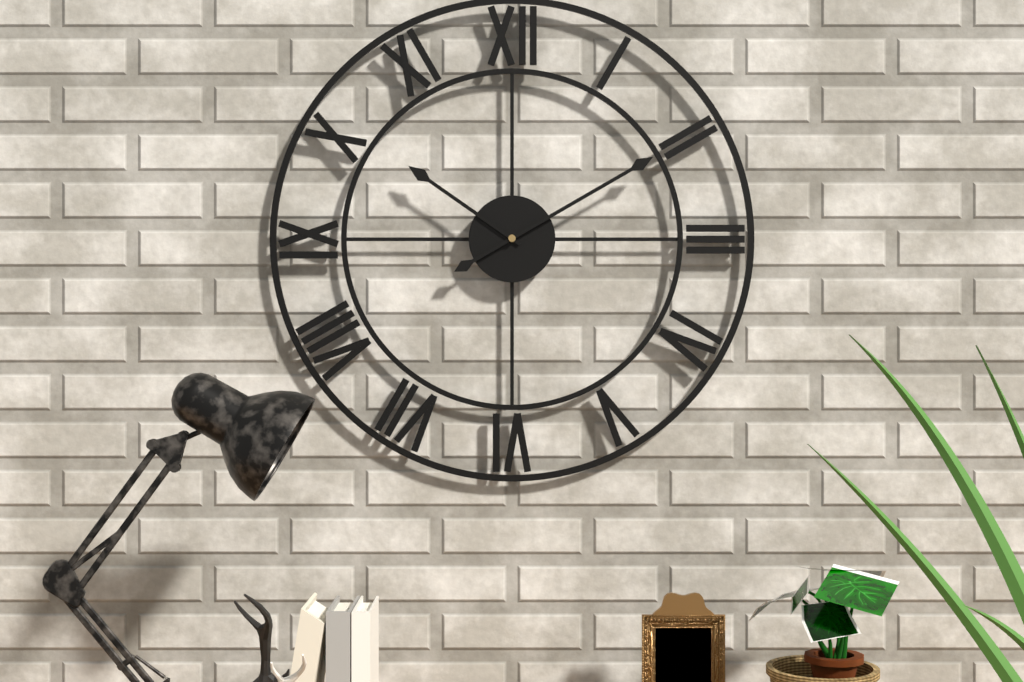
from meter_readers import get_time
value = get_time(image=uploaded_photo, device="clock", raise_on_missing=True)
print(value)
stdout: 10:10
